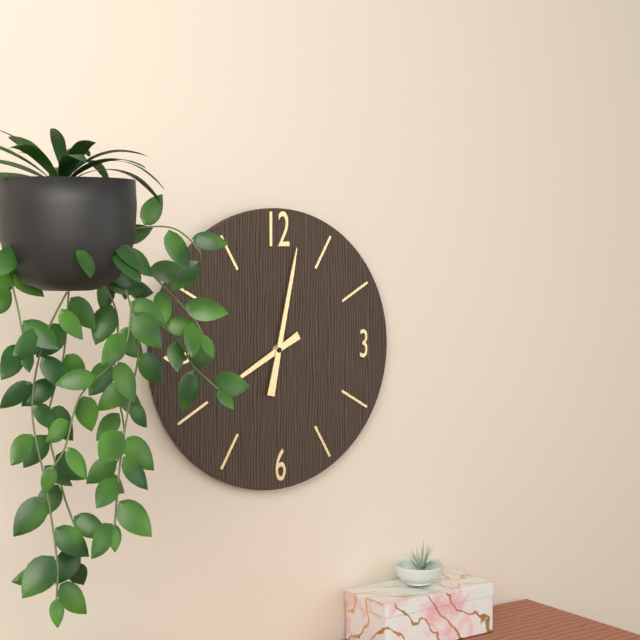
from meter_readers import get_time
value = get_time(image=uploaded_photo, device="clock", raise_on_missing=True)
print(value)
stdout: 8:02
